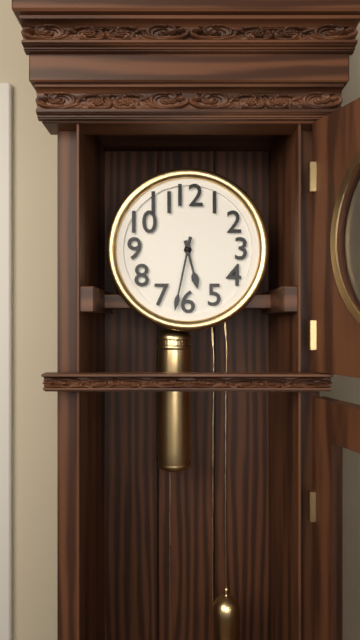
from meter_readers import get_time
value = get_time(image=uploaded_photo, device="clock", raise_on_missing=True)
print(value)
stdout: 5:32
